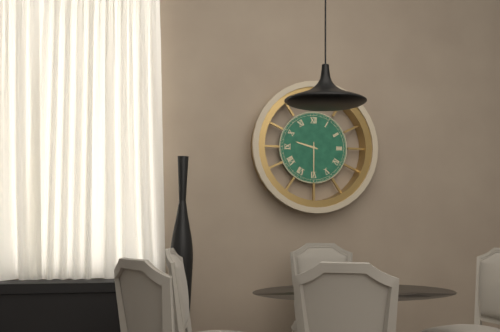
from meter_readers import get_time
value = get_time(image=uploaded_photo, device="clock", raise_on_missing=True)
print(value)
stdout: 9:30
